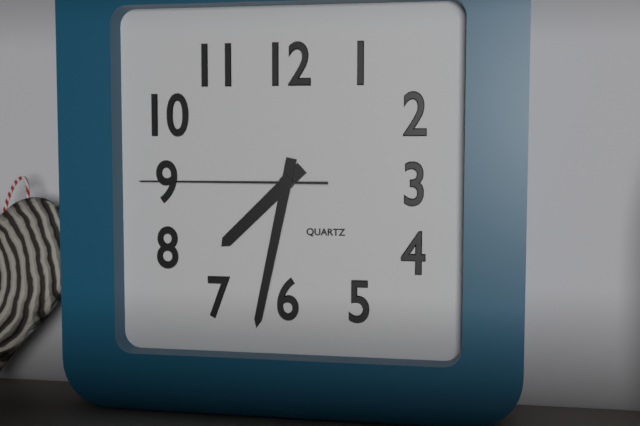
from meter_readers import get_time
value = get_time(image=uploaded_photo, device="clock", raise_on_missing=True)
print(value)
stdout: 7:32:45
